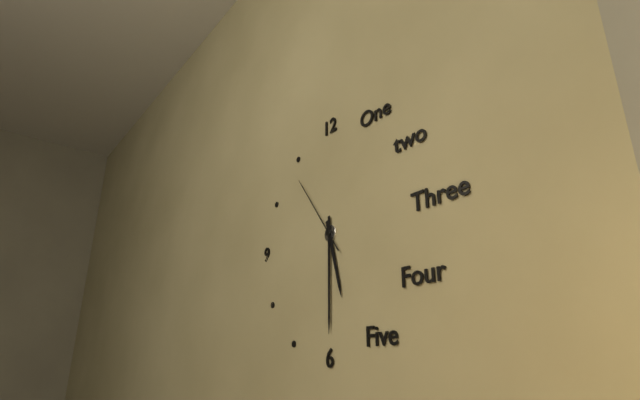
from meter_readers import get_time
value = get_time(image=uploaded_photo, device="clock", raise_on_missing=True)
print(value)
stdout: 5:30:54
